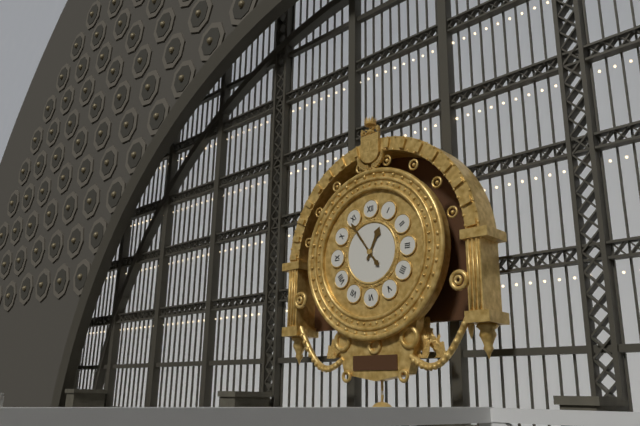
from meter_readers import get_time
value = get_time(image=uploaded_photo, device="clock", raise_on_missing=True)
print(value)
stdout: 12:54
